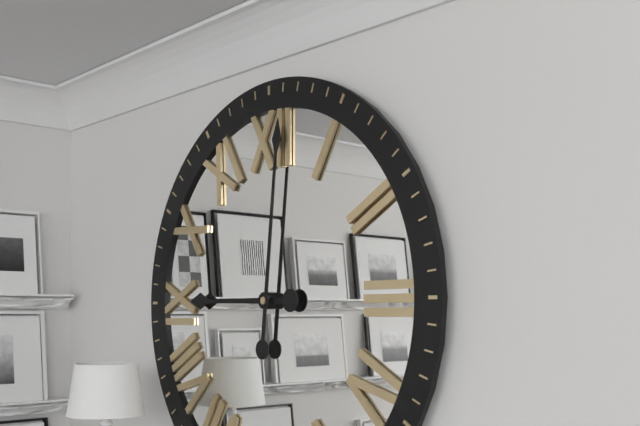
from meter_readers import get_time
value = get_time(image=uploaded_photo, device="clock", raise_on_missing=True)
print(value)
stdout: 9:01
